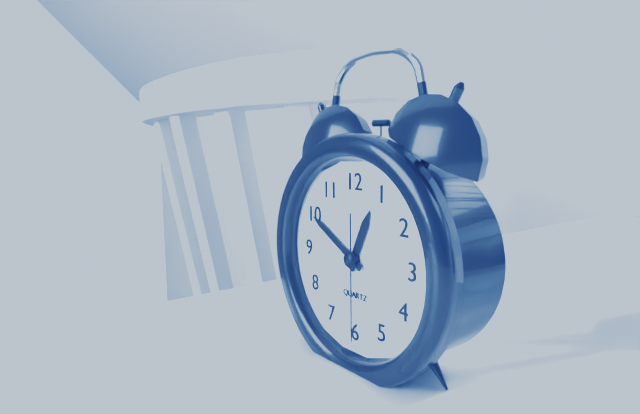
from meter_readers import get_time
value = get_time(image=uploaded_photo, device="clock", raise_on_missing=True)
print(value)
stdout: 12:50:30
